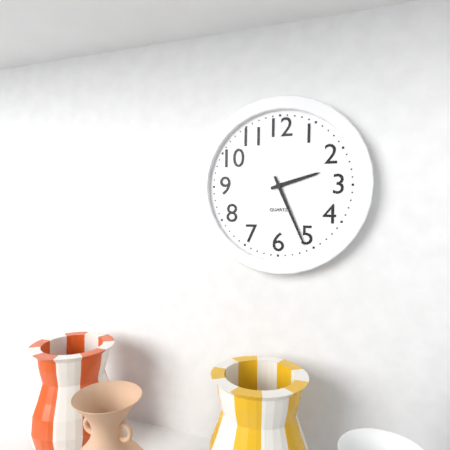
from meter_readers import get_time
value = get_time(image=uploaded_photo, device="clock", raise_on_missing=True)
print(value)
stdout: 2:26
